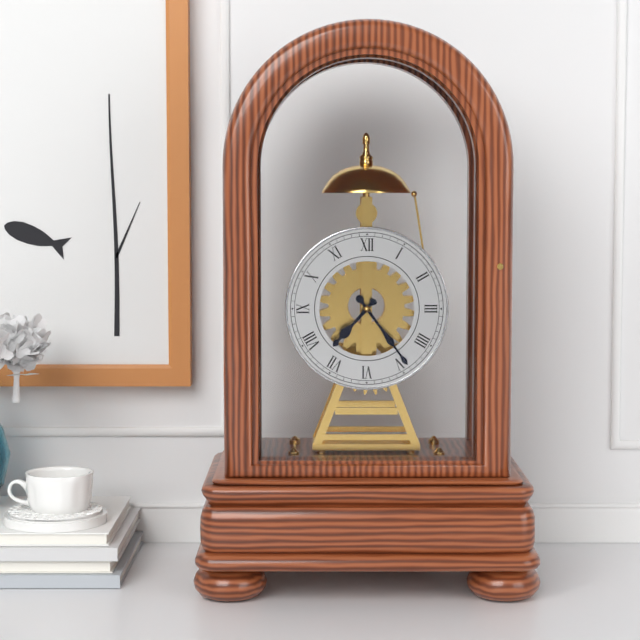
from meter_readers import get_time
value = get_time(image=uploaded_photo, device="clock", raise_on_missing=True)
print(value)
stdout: 7:24
